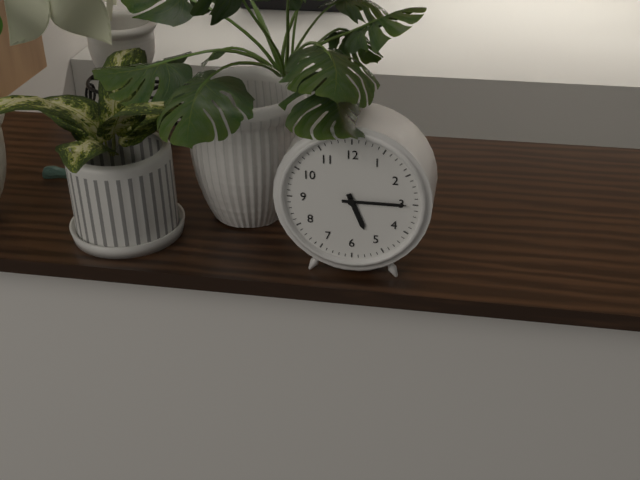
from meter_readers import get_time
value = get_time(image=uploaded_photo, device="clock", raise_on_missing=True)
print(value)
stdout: 5:15
